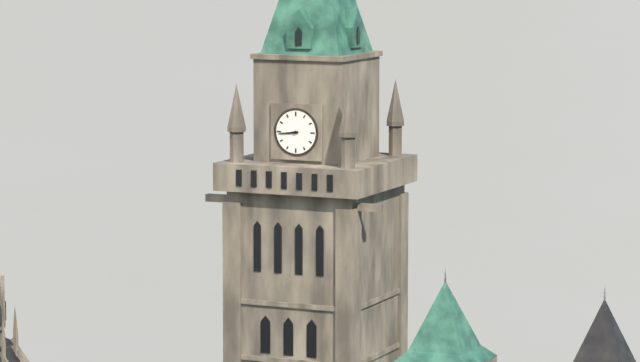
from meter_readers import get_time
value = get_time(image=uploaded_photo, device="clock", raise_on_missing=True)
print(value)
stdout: 8:44
